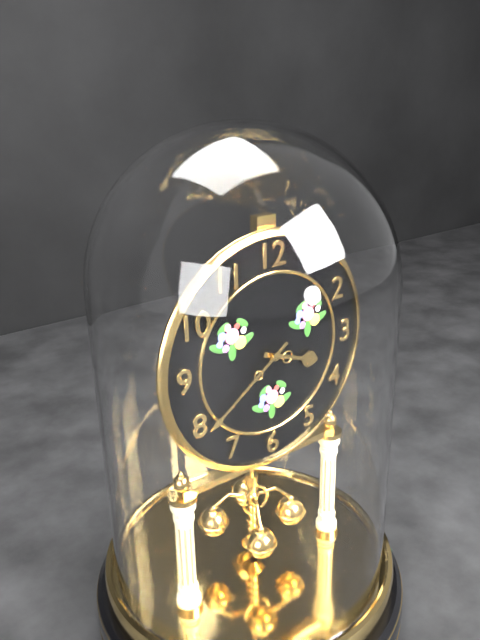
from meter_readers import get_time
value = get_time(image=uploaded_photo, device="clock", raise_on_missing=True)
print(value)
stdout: 3:39
